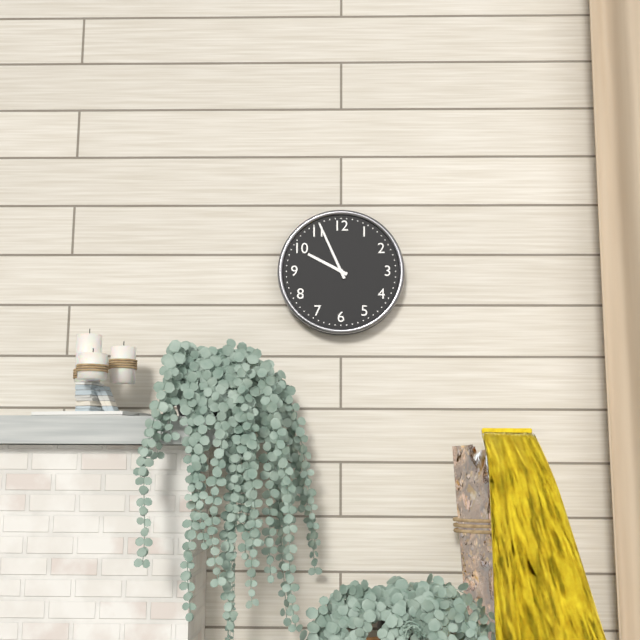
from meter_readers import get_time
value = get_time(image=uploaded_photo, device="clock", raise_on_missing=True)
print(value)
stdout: 9:56
